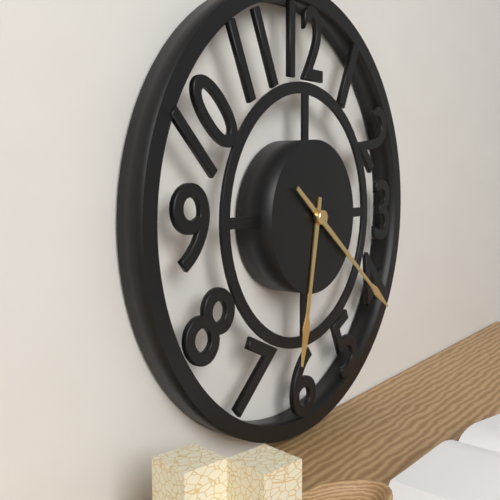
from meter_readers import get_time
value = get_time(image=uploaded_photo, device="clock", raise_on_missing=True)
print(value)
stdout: 6:21
